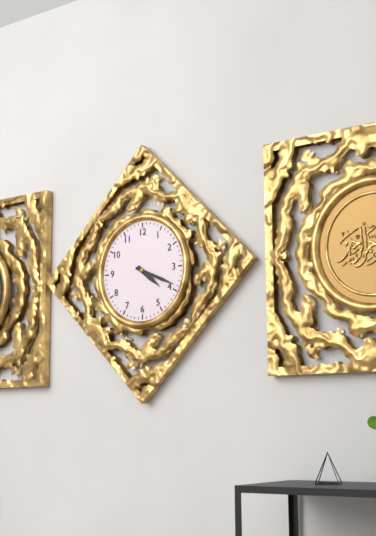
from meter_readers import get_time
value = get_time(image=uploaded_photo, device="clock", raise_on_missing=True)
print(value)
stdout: 4:19
